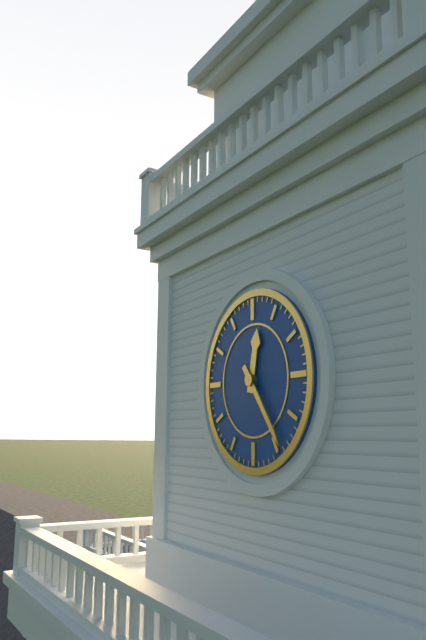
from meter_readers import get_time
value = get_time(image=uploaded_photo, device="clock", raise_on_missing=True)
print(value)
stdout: 12:24
